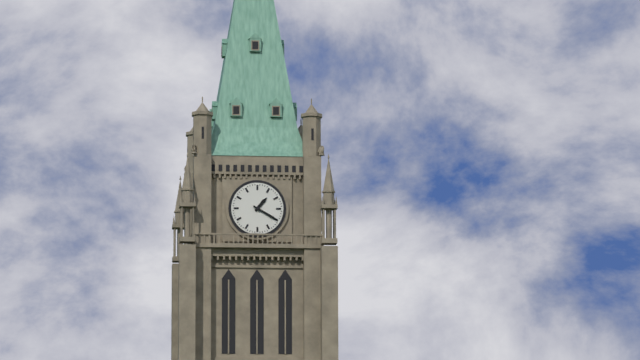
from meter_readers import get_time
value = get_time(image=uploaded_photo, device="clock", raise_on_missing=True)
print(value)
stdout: 1:20
